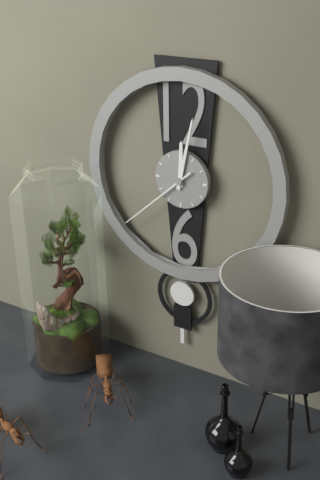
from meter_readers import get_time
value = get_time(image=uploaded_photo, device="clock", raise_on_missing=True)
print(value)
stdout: 12:02:38
